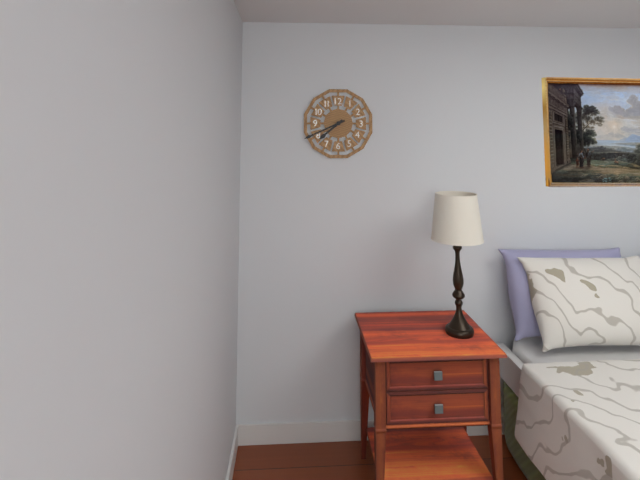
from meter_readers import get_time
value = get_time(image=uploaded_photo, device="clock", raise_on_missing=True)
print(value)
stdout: 7:41
